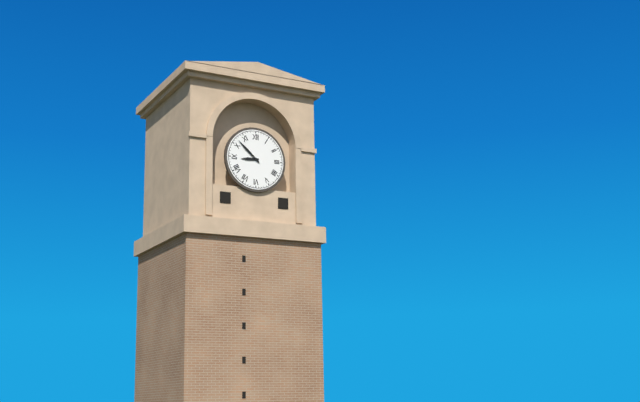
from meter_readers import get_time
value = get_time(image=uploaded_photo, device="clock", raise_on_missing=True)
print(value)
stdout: 8:52
